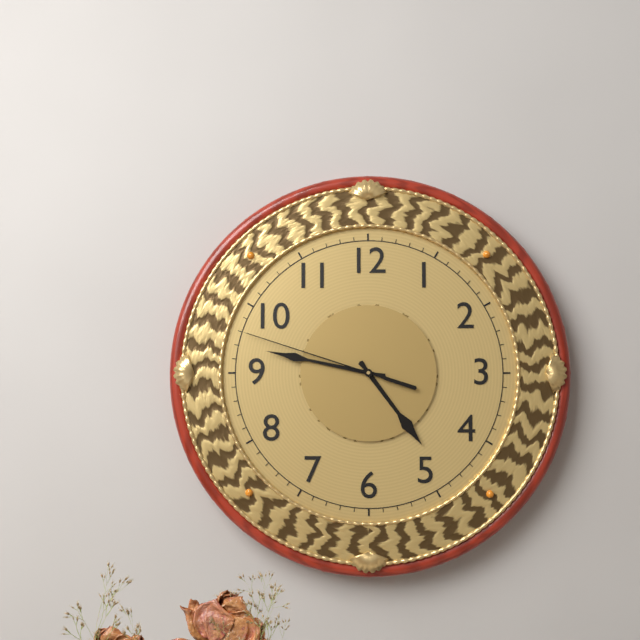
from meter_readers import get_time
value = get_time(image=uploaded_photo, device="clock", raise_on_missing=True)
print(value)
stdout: 4:47:48
